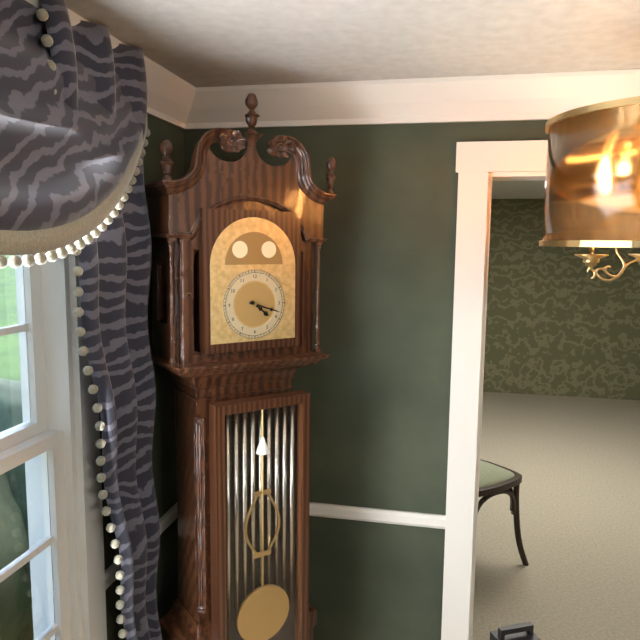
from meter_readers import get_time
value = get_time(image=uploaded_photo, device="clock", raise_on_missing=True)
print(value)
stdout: 4:18
